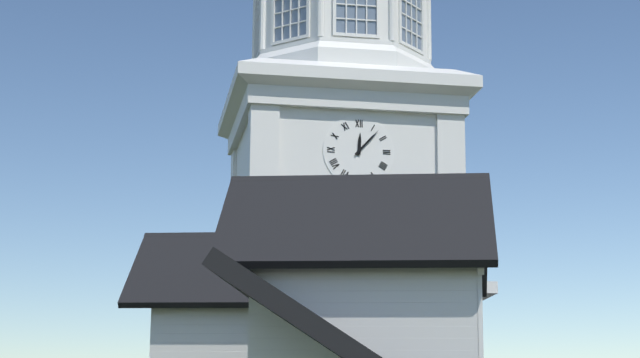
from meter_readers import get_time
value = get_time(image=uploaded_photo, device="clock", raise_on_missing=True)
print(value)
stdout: 12:07
